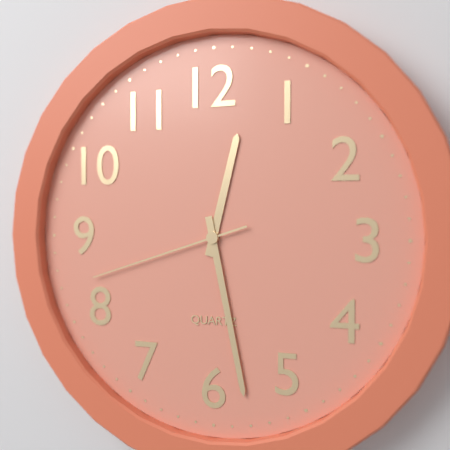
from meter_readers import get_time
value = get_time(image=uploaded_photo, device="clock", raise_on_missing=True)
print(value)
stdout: 12:28:42
